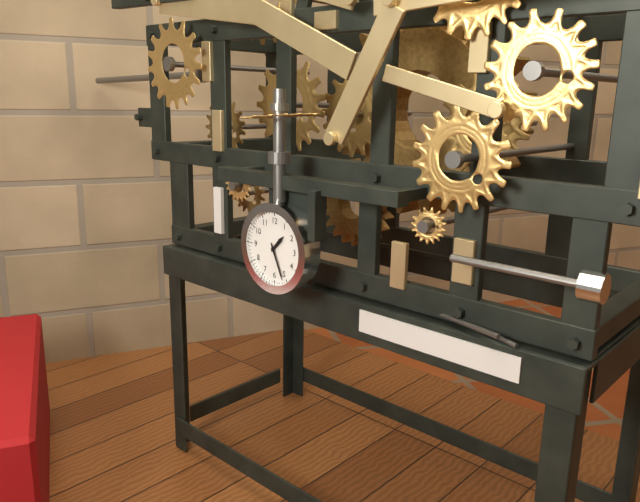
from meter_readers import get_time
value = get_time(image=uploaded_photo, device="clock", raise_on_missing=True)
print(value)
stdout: 1:26
